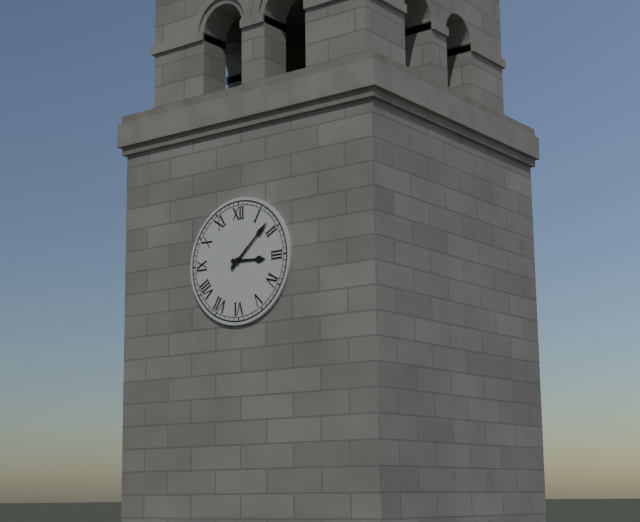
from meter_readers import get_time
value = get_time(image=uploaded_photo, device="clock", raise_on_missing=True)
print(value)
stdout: 3:08
